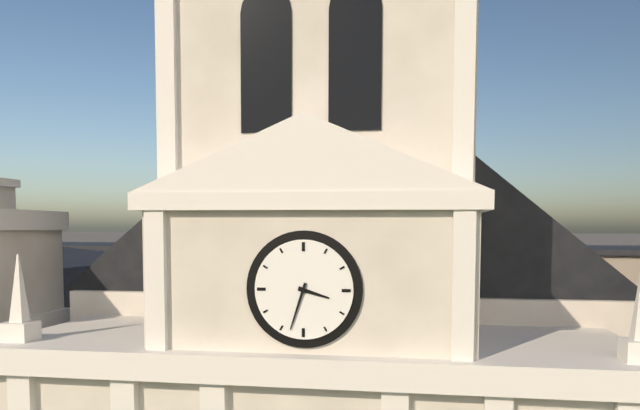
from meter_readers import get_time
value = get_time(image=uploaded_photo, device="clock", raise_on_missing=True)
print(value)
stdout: 3:33
